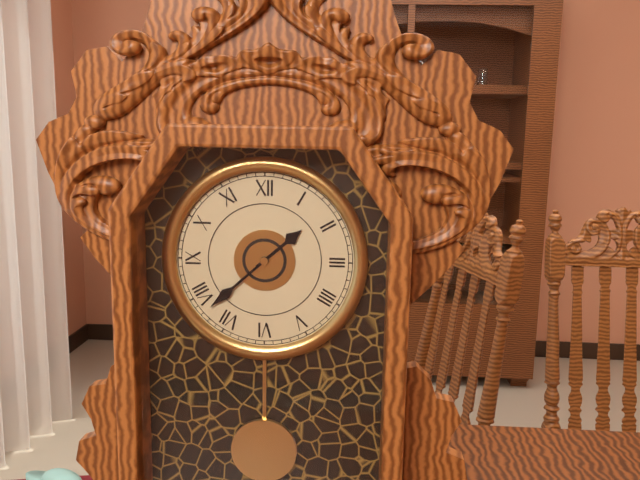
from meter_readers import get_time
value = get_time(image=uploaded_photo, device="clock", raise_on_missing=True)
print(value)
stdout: 1:38
